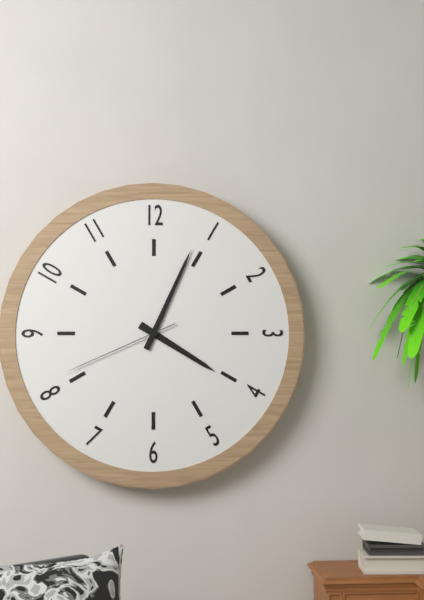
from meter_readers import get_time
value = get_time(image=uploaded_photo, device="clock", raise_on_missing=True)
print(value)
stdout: 4:04:41
